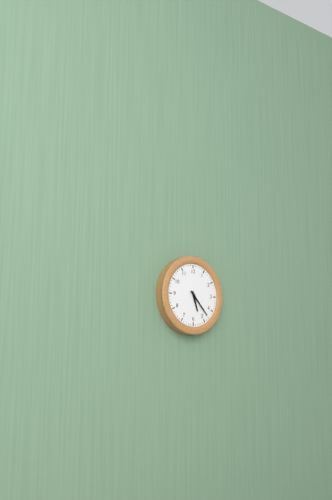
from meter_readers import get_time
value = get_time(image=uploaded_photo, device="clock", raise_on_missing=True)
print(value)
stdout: 5:23
